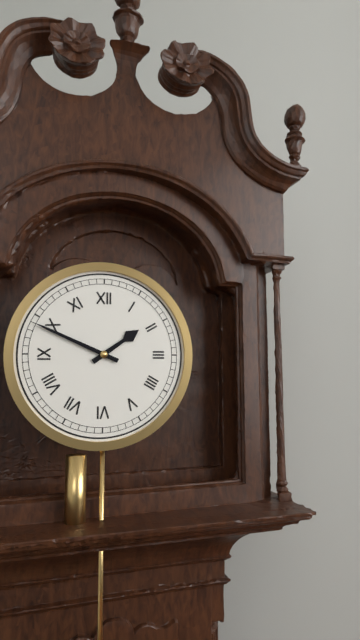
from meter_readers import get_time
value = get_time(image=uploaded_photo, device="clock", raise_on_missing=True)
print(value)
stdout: 1:49
